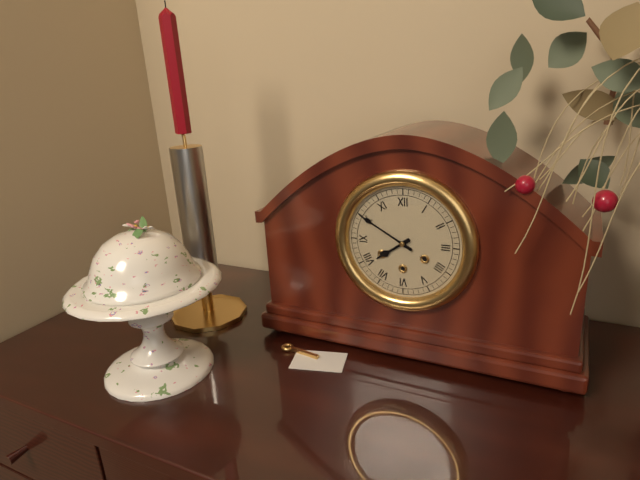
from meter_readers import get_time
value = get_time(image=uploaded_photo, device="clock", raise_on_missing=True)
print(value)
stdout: 7:50
